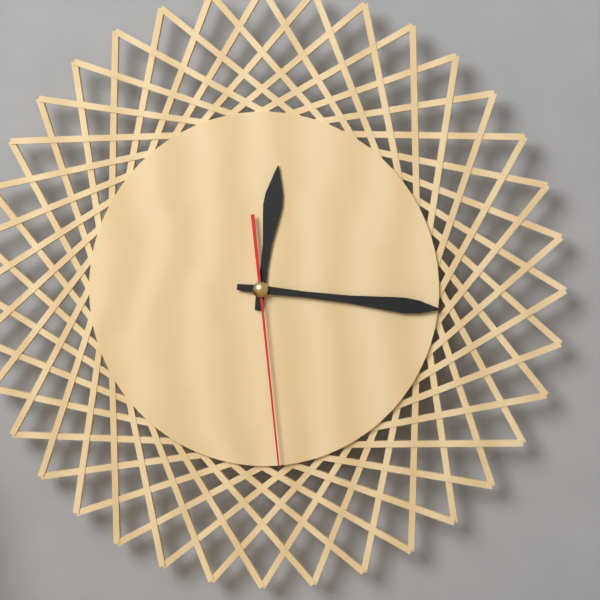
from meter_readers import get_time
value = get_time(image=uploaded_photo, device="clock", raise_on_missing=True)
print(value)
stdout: 12:16:29
